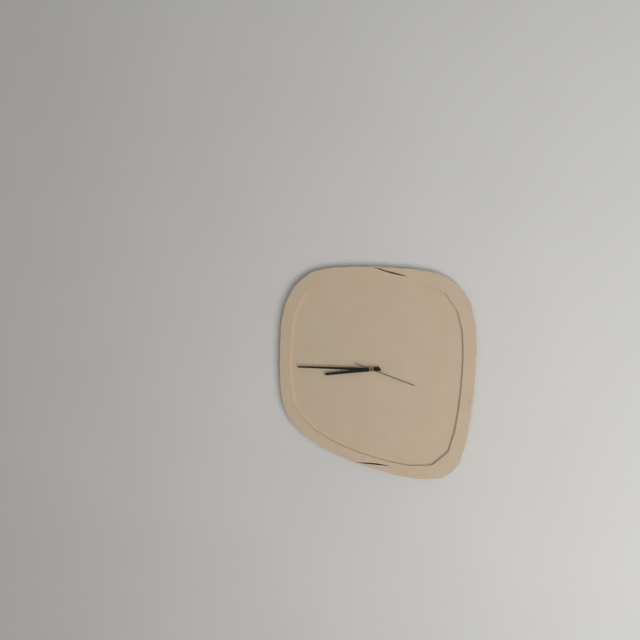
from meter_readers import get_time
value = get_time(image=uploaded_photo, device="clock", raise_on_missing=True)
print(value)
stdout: 8:45:18
